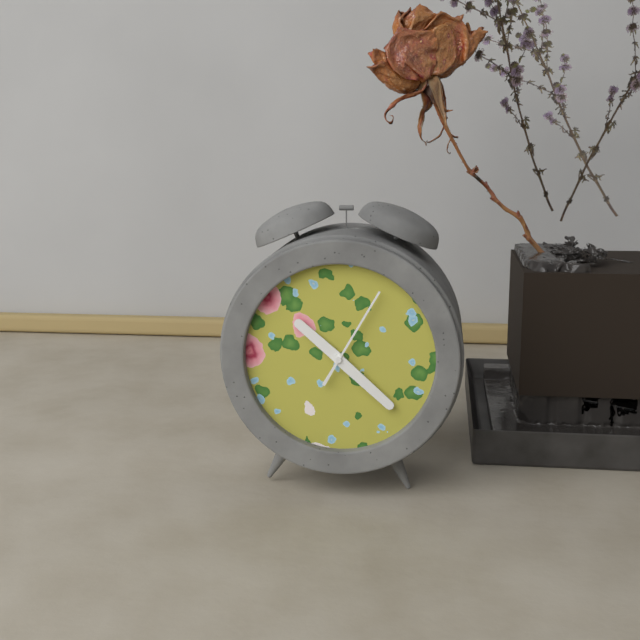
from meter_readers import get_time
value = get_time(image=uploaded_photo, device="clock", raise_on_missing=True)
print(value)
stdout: 10:22:05
